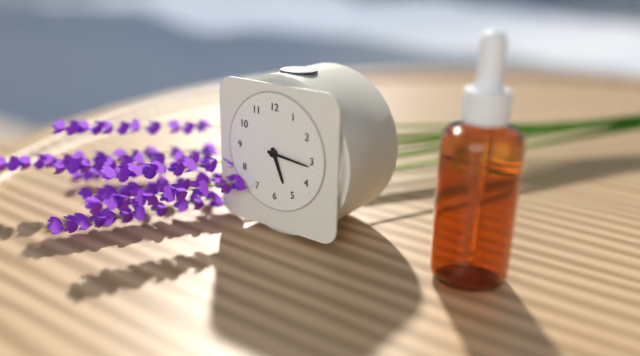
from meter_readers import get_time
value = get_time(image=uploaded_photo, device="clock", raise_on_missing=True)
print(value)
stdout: 5:16
